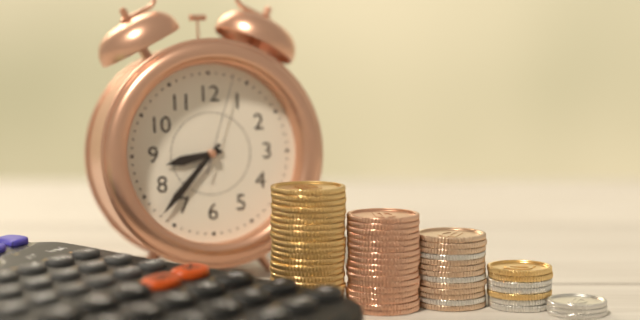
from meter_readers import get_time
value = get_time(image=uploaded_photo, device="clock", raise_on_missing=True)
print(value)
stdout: 8:37:03
